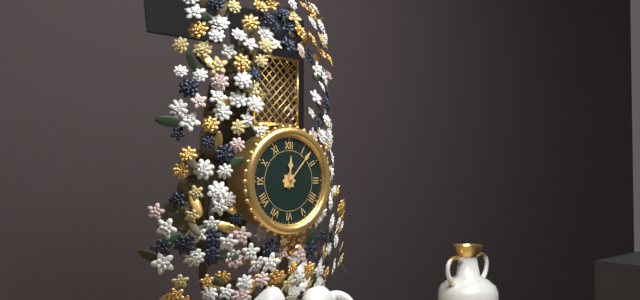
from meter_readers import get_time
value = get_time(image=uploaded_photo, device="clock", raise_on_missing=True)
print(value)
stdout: 12:07
